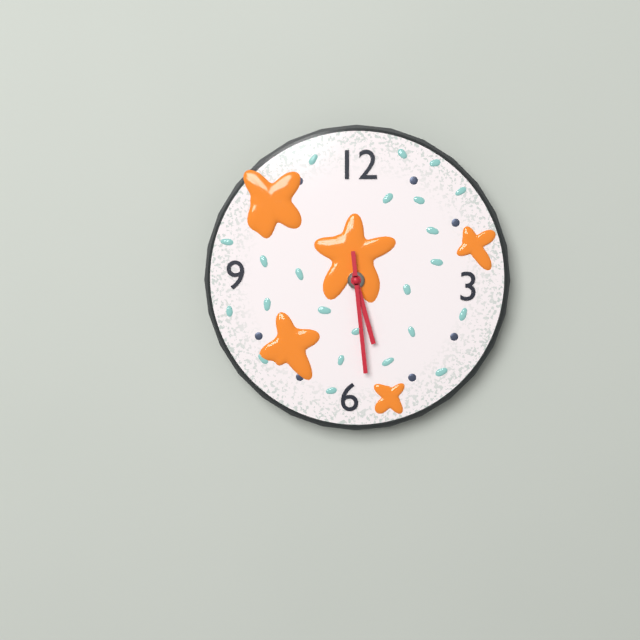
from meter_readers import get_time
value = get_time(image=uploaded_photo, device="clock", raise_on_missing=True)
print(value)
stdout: 5:29
